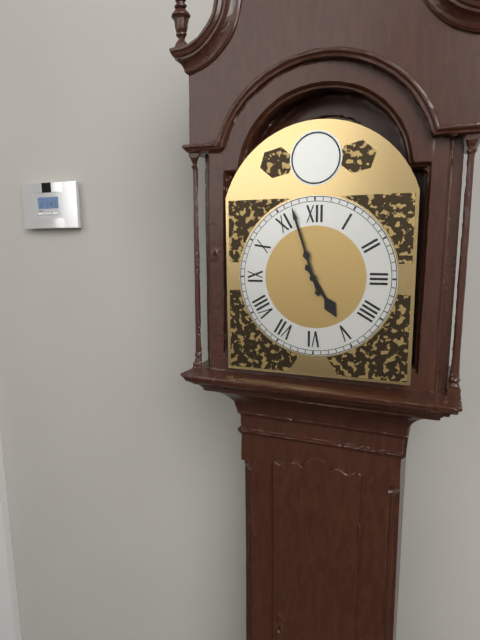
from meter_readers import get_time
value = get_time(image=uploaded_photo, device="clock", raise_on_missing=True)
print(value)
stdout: 4:57
